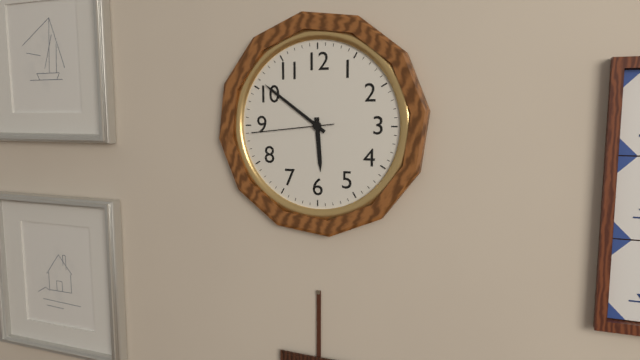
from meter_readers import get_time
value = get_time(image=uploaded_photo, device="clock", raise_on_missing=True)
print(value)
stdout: 5:51:44
